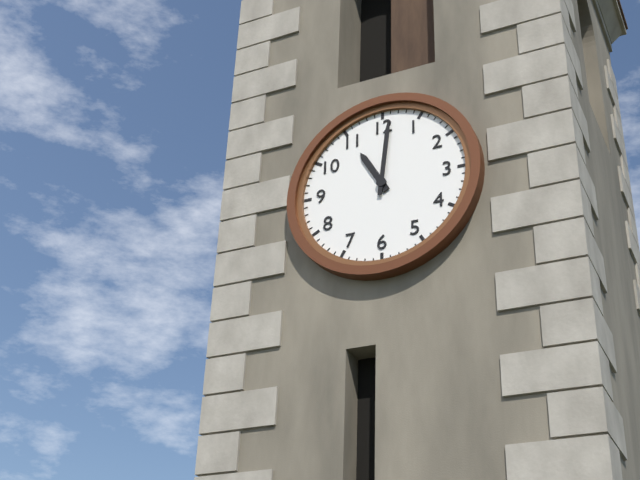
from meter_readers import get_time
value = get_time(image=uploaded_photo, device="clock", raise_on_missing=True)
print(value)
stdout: 11:01
